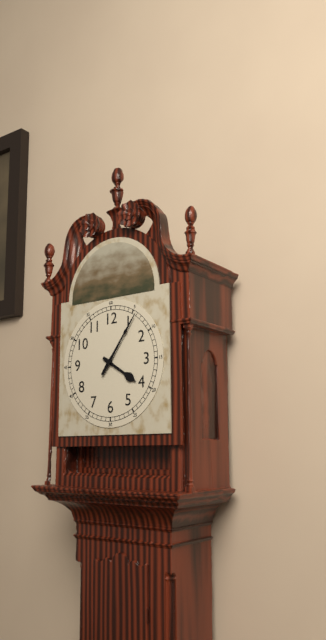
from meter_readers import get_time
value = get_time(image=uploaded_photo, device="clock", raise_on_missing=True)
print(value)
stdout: 4:06
